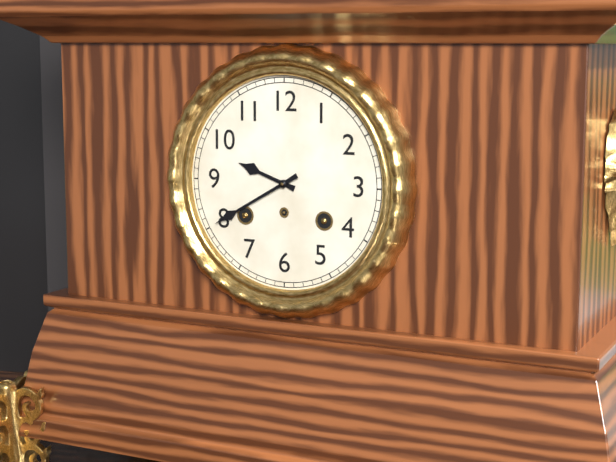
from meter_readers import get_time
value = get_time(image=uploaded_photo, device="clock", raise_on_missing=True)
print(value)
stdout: 9:40
